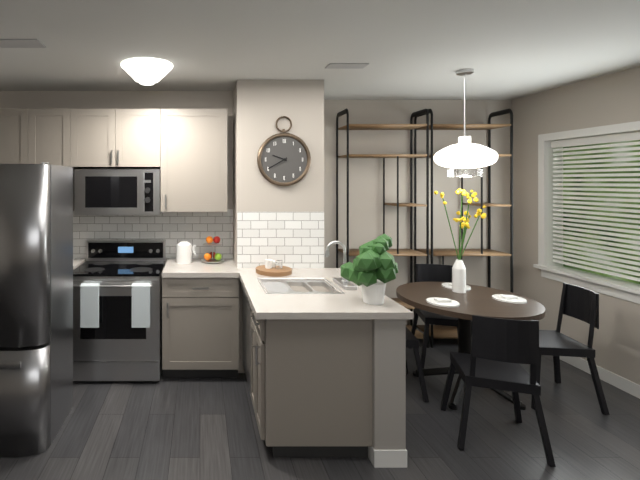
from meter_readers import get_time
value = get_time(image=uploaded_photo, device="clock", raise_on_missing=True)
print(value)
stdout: 9:40
